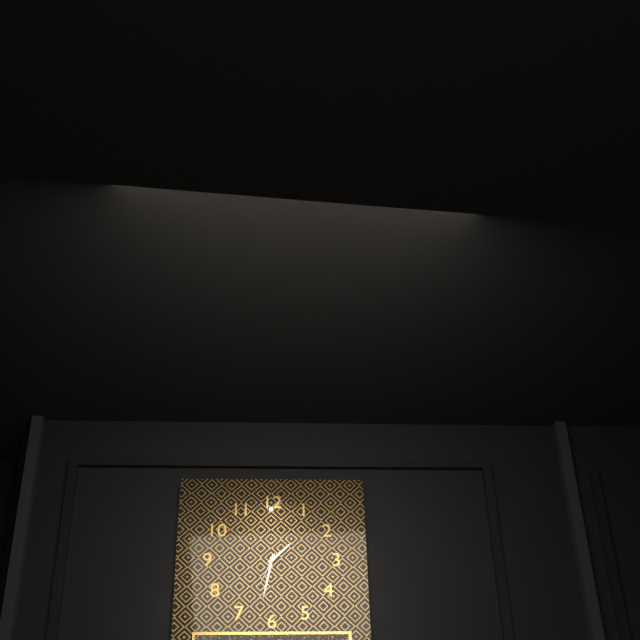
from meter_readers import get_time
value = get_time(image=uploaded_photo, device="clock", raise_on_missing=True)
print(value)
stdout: 1:32
